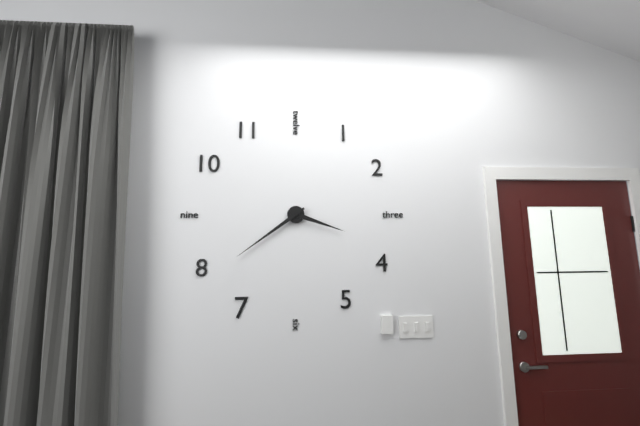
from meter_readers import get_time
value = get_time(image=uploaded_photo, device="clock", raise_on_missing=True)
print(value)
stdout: 3:39
